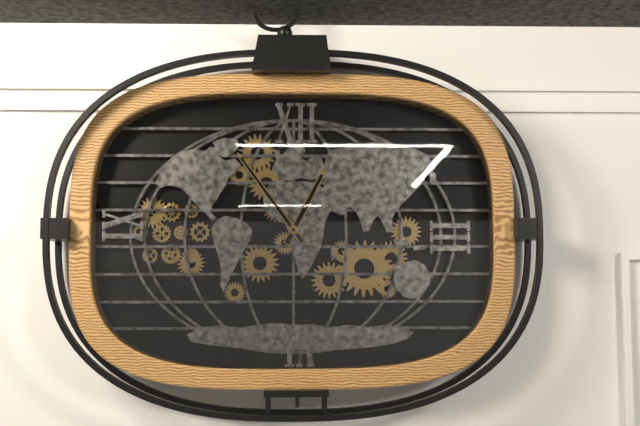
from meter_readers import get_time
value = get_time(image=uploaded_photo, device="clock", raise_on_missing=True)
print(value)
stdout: 12:54
